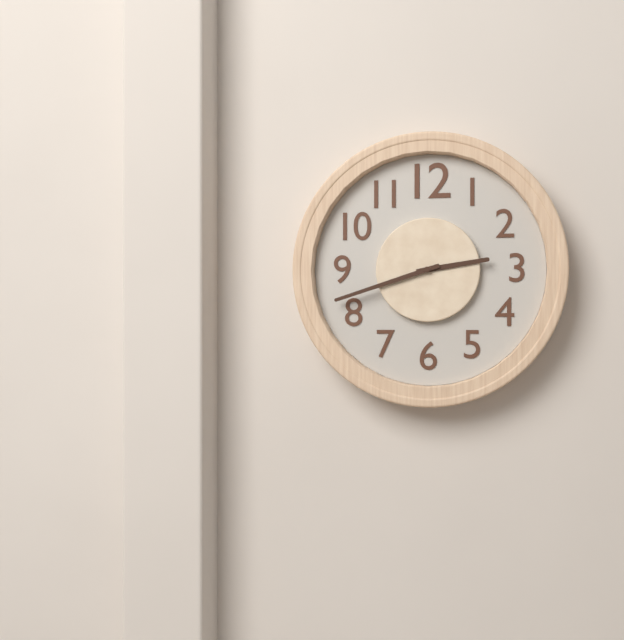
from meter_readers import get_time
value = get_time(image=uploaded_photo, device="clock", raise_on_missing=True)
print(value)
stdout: 2:42
